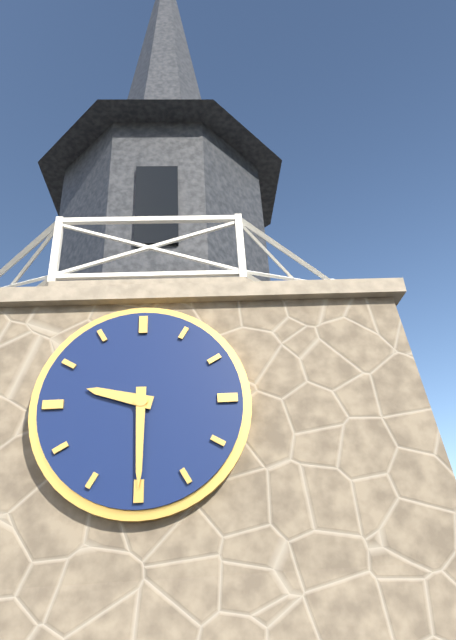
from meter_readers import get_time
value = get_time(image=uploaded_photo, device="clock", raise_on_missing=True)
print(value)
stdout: 9:30
